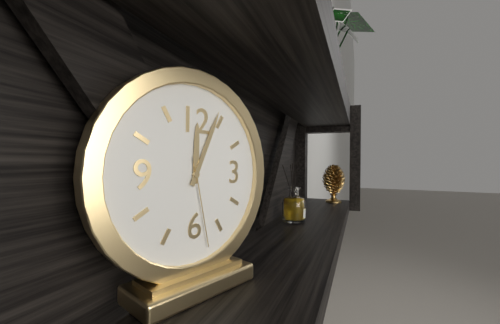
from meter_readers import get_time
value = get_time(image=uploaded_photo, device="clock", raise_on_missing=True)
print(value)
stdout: 12:04:28
